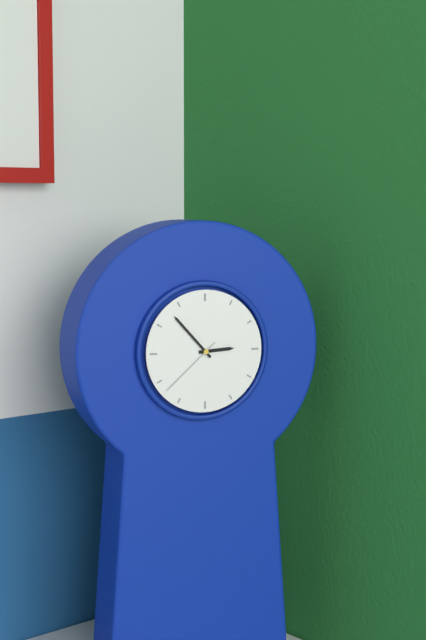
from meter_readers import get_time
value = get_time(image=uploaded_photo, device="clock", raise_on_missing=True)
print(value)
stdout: 2:53:38
